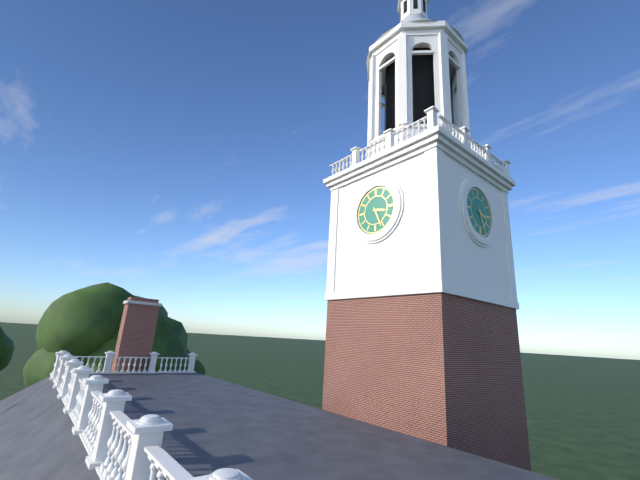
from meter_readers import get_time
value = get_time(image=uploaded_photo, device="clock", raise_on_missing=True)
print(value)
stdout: 3:26
